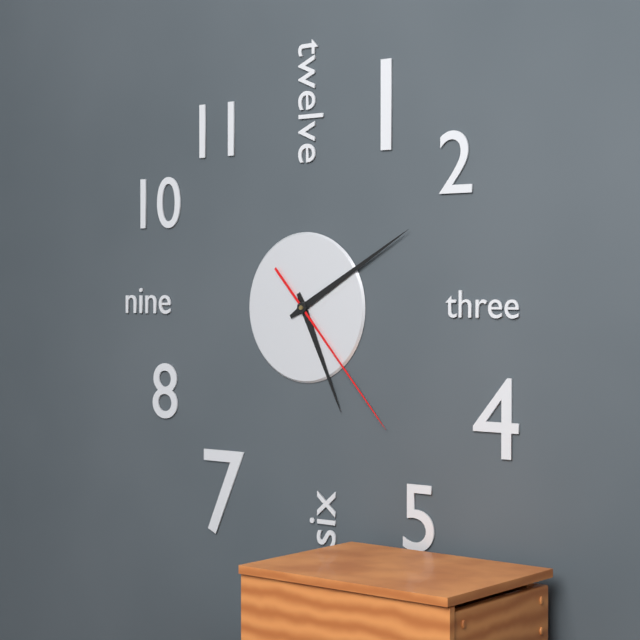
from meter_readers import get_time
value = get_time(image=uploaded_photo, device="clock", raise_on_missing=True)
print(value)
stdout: 5:10:23
